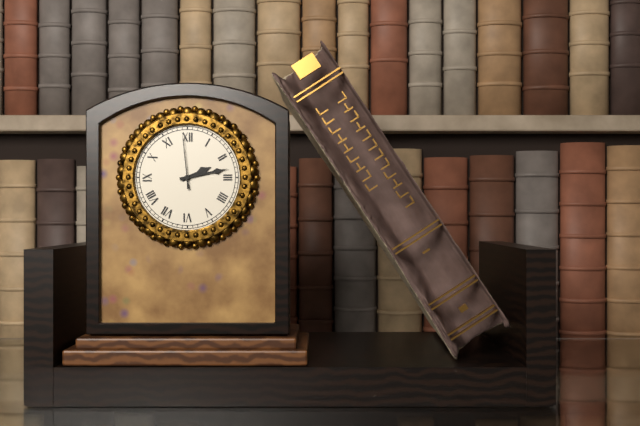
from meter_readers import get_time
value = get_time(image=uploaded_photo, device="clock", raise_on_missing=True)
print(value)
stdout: 2:13:59
